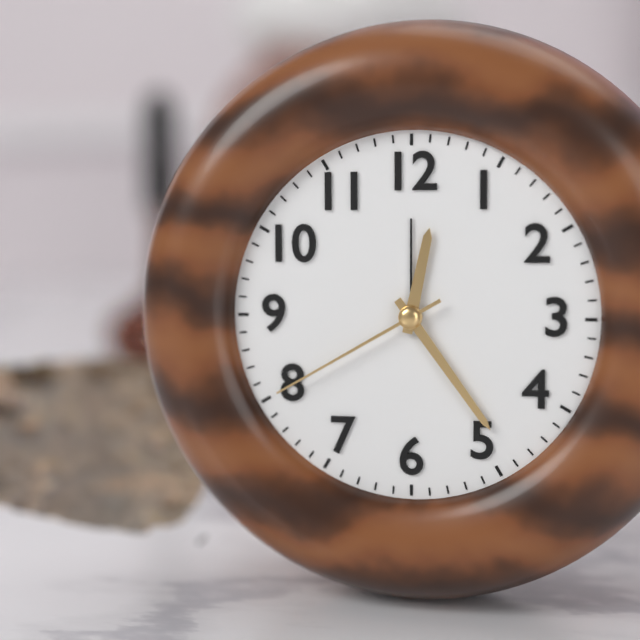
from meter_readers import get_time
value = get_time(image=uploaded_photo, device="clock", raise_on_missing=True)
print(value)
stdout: 12:24:40
